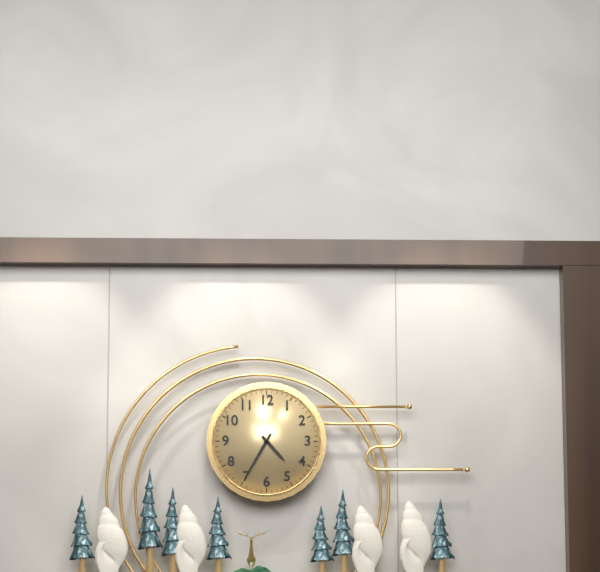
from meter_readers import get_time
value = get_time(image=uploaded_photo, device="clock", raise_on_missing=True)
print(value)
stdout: 4:35
